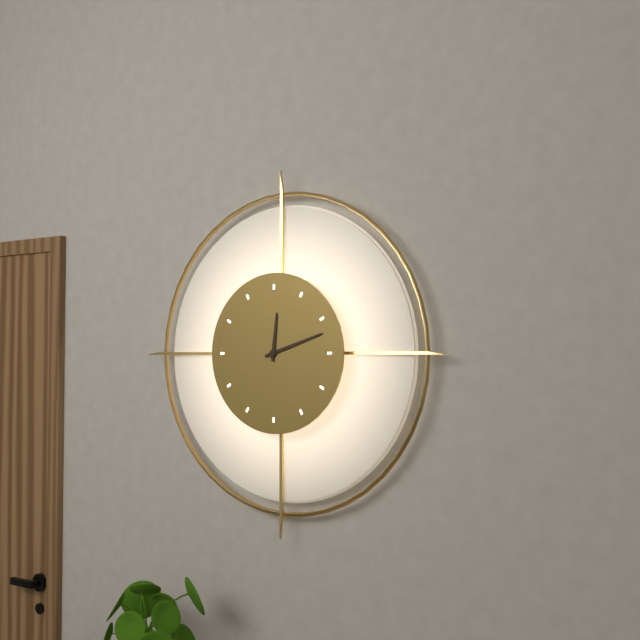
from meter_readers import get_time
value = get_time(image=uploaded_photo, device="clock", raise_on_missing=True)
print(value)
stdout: 12:12
